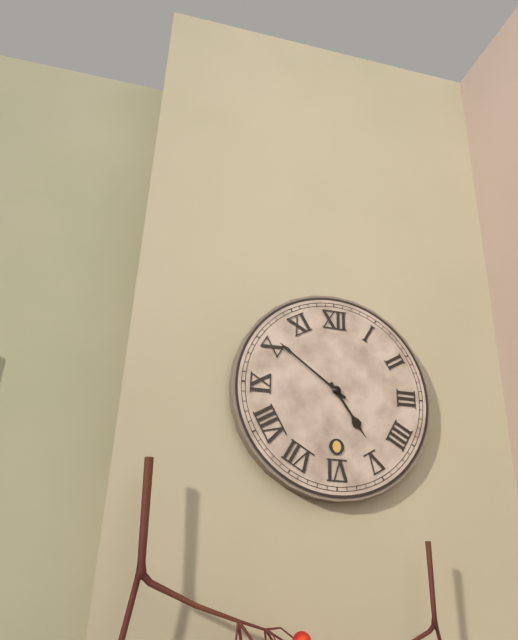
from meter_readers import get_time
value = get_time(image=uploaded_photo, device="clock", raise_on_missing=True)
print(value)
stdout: 4:51
